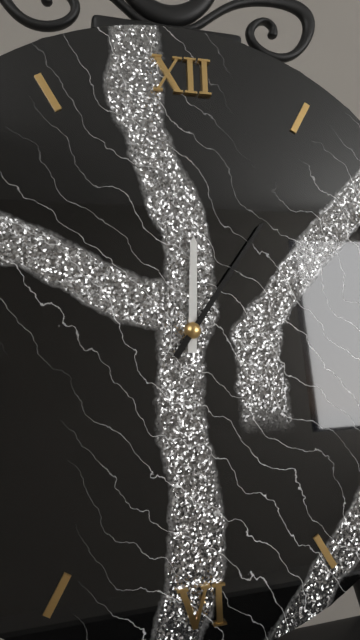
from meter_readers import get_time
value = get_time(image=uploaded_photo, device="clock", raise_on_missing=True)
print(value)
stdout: 12:06
